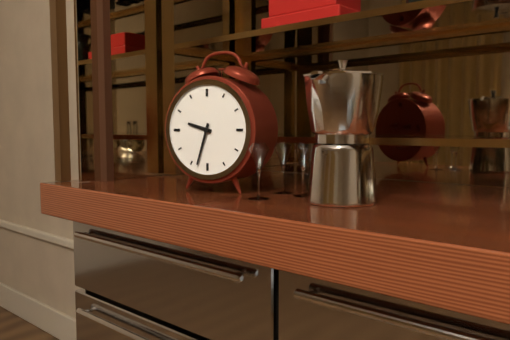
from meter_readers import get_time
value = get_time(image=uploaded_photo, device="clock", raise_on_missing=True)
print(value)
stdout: 9:33
